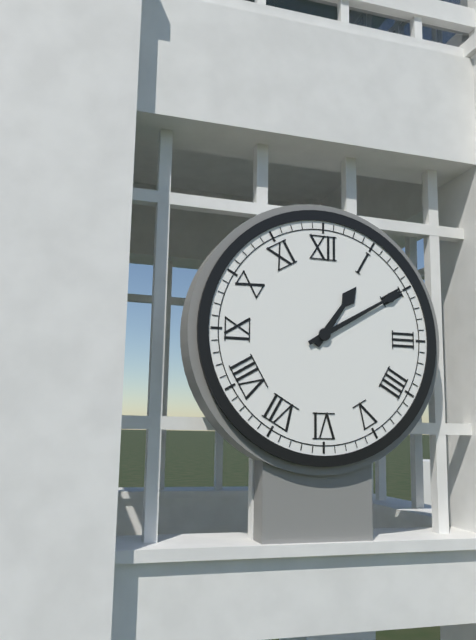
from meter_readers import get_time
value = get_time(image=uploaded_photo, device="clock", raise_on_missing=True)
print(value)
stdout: 1:10
